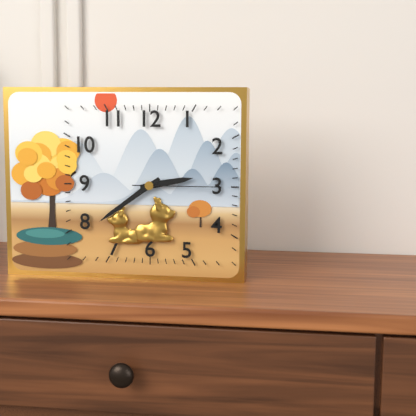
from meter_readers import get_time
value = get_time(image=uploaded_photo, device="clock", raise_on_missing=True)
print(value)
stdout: 2:39:15
